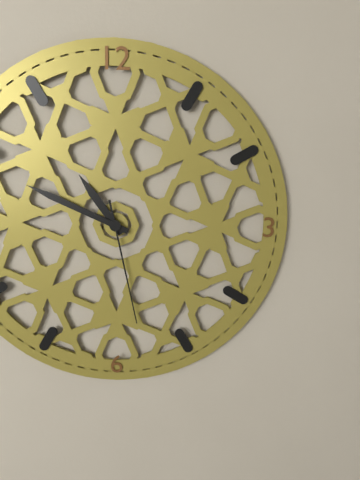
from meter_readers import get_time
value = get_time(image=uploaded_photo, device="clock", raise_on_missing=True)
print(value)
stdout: 10:49:28
